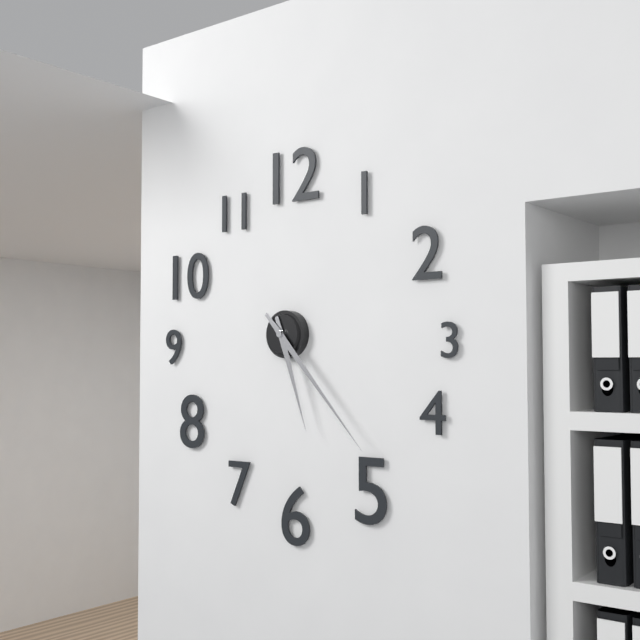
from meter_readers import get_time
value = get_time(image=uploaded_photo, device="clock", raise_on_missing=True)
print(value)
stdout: 5:23
